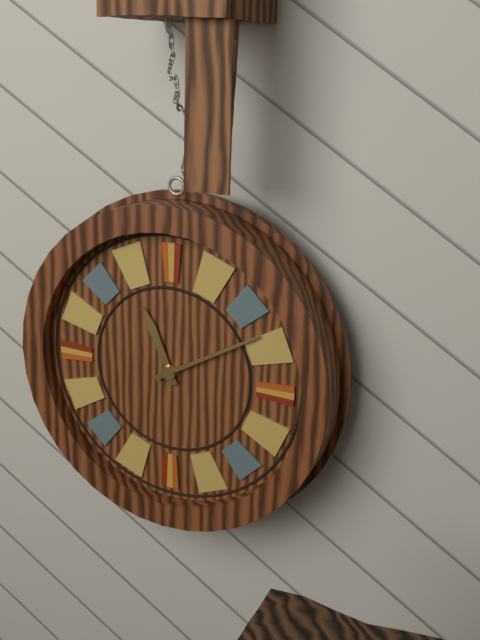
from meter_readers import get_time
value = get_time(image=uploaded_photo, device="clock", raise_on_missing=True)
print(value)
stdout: 11:10
